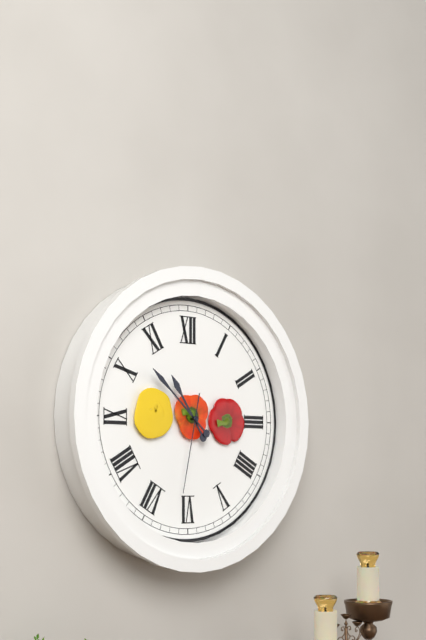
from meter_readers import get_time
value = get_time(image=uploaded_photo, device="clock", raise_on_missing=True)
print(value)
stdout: 10:52:32
